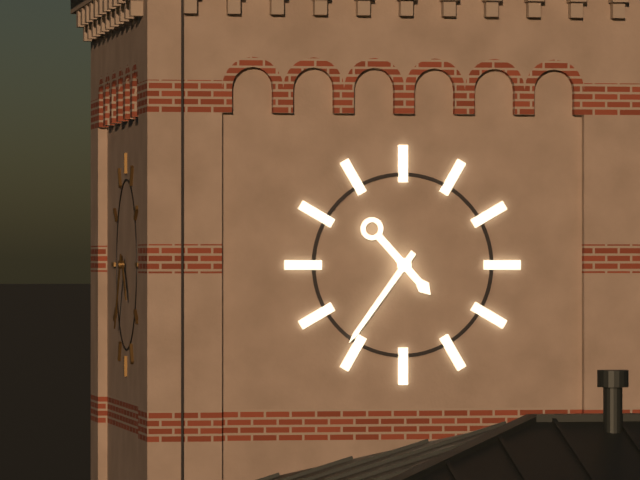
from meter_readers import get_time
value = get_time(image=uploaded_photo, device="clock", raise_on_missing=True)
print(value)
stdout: 4:36
